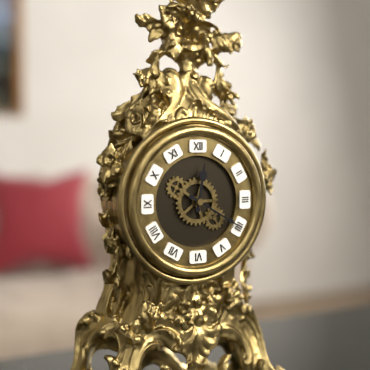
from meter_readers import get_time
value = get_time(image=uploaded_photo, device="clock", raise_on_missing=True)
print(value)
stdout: 12:20
